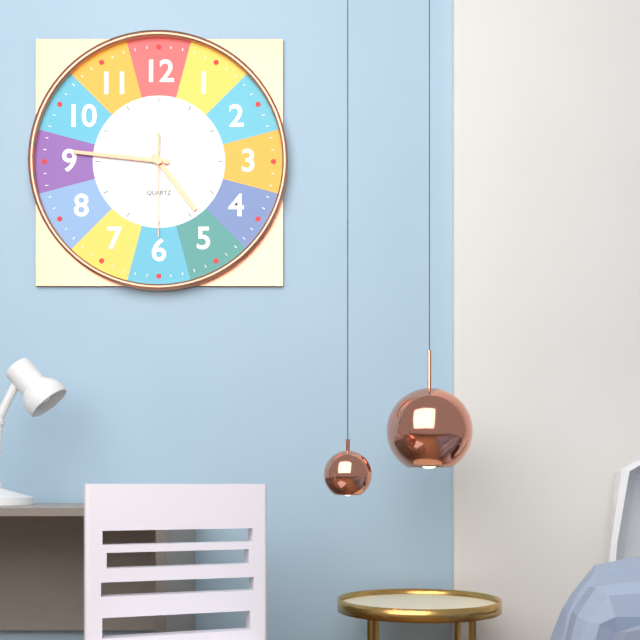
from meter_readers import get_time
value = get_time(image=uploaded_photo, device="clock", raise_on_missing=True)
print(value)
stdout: 4:46:30
